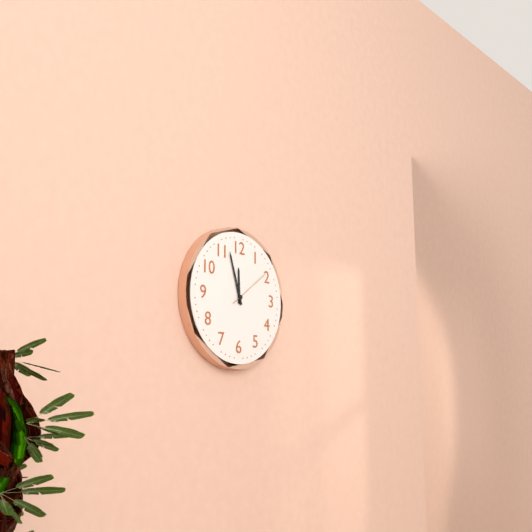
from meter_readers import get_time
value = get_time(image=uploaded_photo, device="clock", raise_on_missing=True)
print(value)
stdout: 11:57
